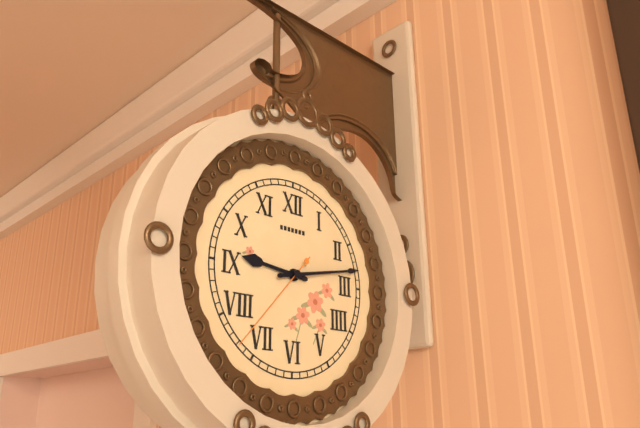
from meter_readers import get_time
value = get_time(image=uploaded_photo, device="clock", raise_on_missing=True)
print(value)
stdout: 9:13:37
